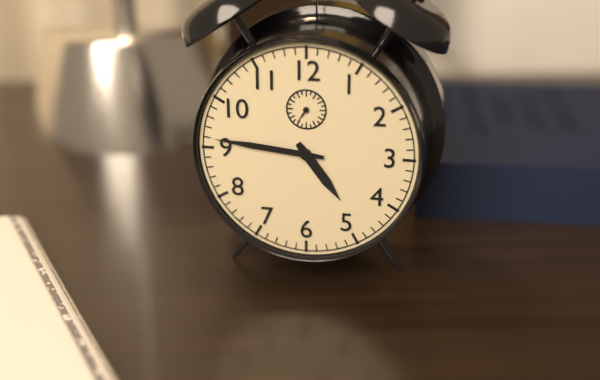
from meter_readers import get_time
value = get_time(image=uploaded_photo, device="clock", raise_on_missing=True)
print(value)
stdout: 4:46
